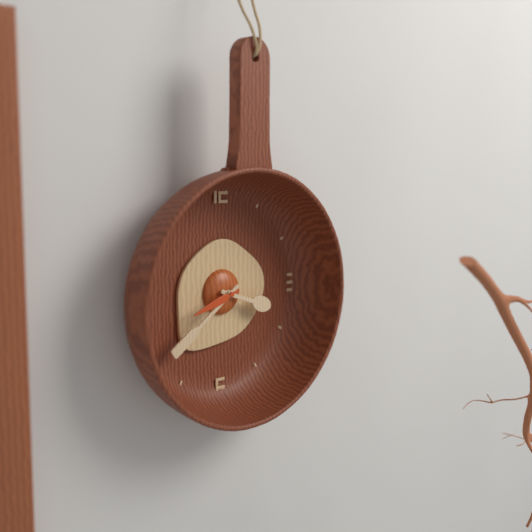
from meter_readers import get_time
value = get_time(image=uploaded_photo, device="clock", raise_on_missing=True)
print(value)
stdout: 3:39:42
